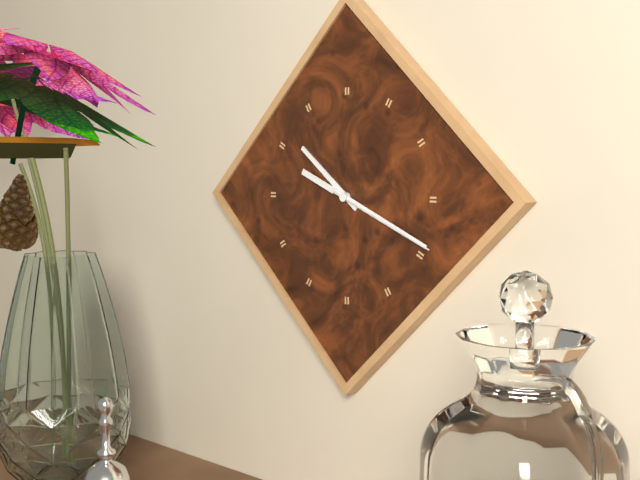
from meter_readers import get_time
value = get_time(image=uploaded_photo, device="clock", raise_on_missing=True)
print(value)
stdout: 10:19:19
